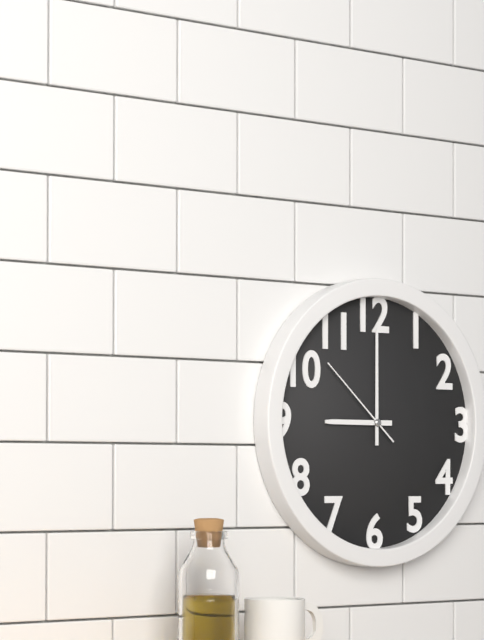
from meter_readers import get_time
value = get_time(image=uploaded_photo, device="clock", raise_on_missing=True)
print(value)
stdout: 9:00:52
